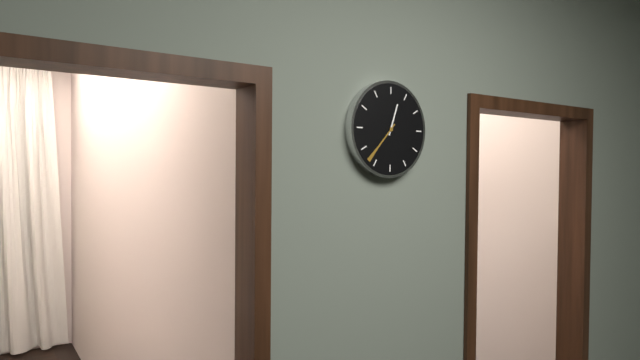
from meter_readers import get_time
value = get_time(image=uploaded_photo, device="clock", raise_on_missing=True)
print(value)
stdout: 12:37
